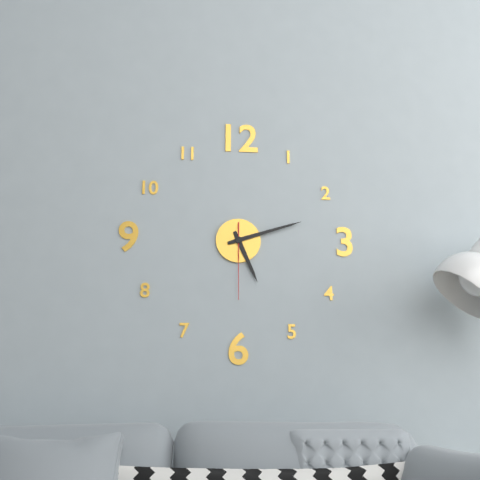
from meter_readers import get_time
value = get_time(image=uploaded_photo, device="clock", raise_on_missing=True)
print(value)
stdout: 5:12:30
